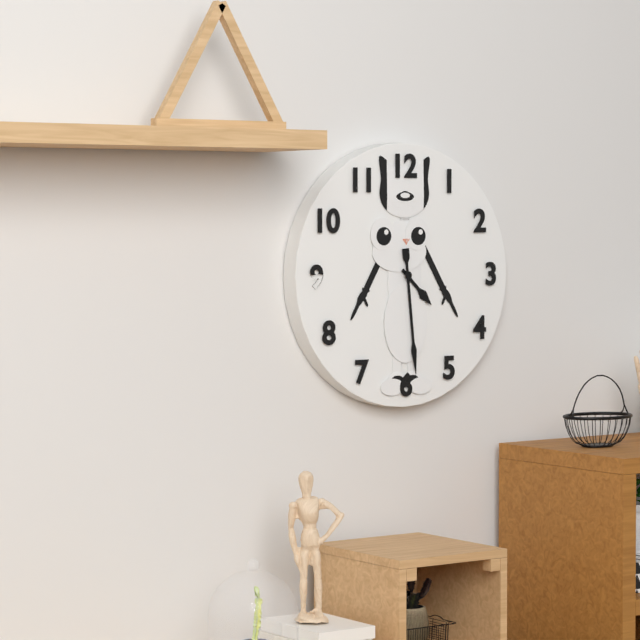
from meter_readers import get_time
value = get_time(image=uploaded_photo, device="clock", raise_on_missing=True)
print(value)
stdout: 4:29
